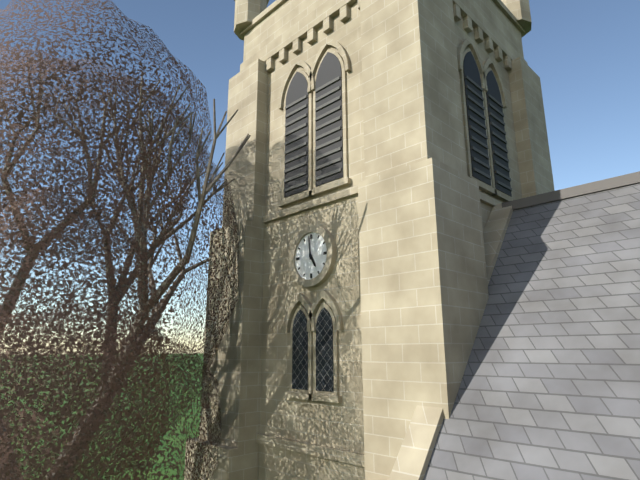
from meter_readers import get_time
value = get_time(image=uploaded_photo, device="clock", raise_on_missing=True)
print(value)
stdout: 4:59
